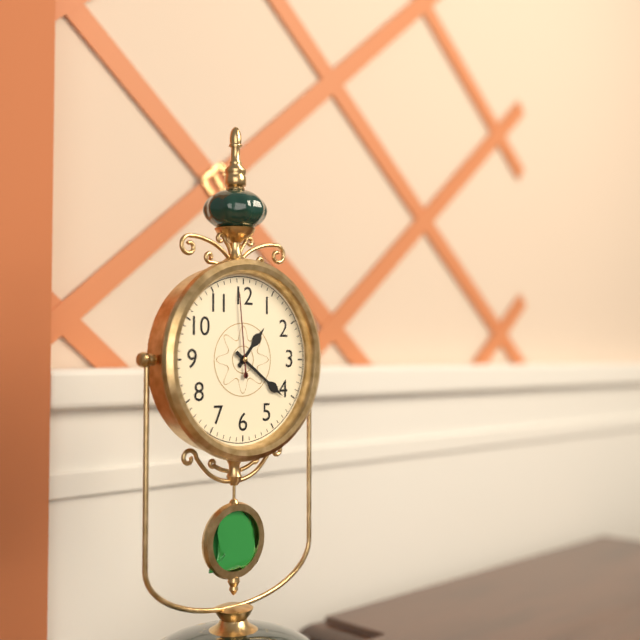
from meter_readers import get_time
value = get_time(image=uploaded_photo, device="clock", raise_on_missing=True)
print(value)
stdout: 1:21:59
